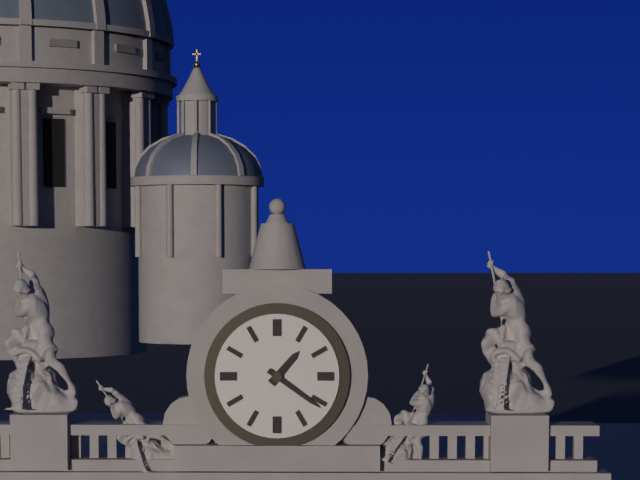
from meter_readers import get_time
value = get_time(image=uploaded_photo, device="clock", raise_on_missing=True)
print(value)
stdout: 1:21
